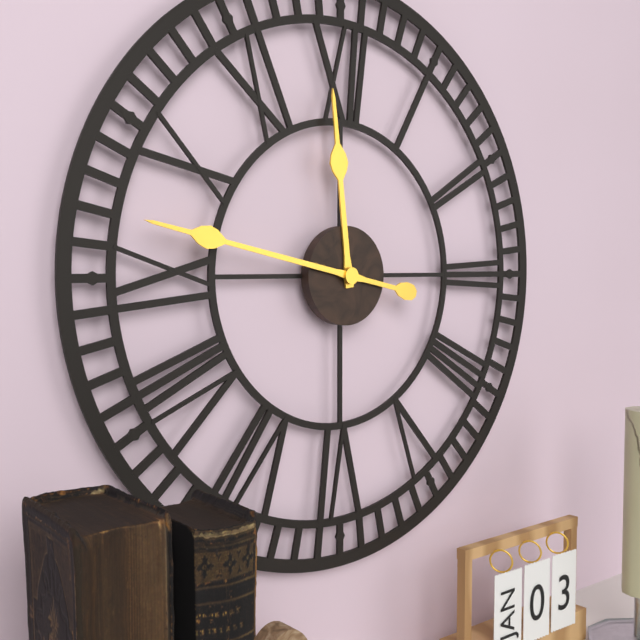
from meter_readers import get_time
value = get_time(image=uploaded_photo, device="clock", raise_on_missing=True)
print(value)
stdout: 11:47
